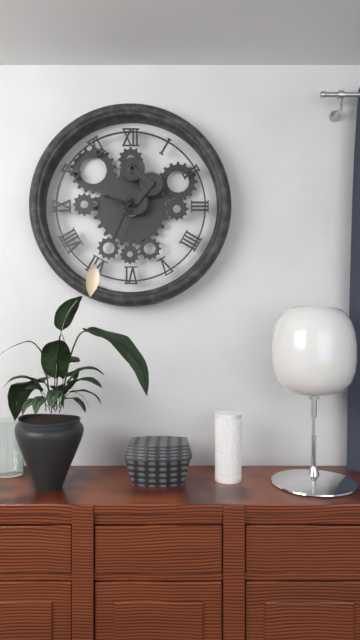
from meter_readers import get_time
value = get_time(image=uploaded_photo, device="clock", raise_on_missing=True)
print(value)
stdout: 9:34
